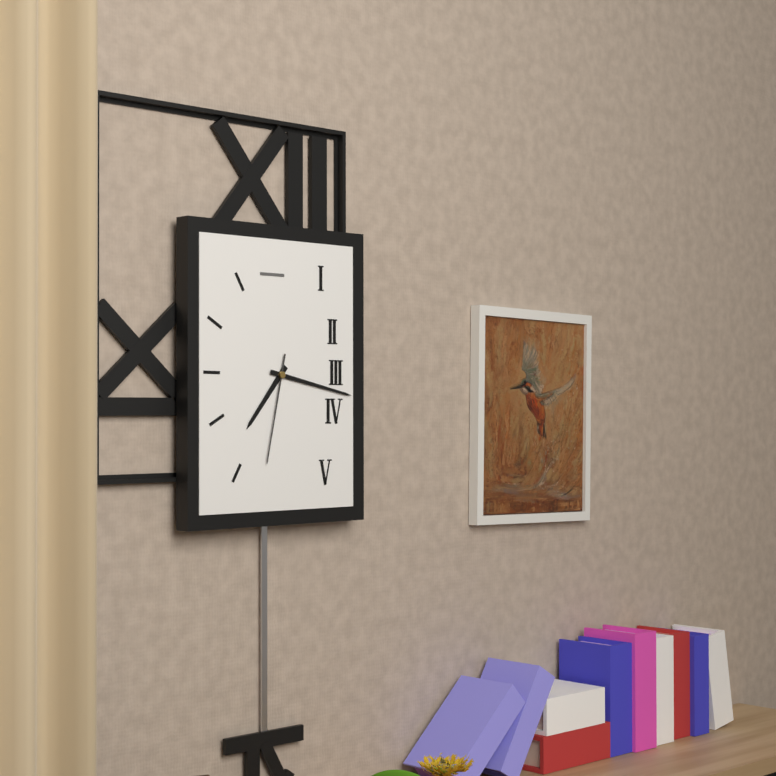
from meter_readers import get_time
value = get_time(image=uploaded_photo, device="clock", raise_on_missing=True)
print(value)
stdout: 7:17:32
